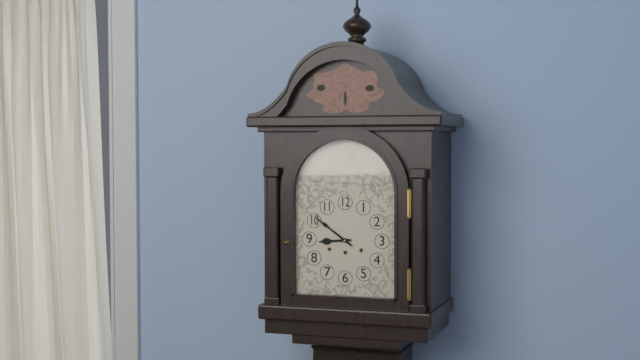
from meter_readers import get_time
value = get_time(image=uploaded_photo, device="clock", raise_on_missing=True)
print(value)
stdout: 8:51
